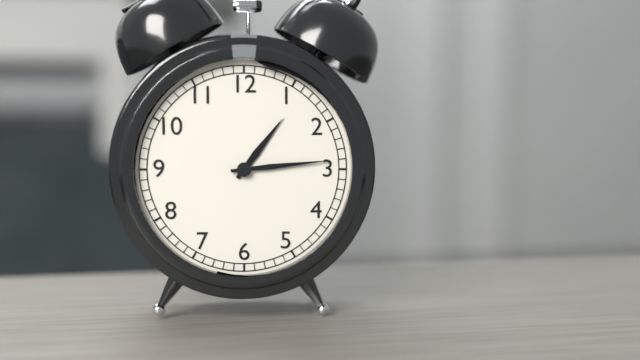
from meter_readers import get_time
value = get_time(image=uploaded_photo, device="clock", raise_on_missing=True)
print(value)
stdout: 1:14
